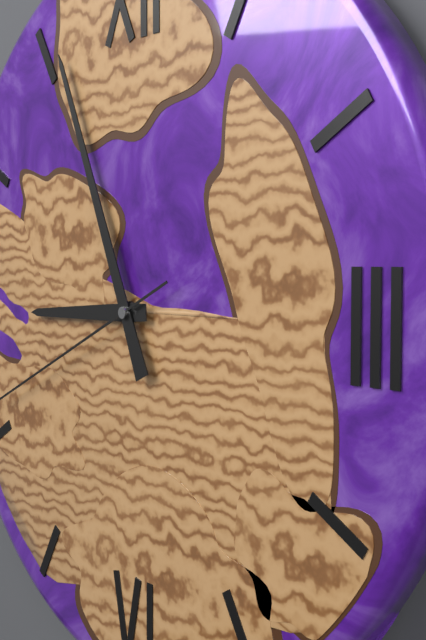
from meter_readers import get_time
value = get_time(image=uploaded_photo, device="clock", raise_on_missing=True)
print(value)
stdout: 8:56
